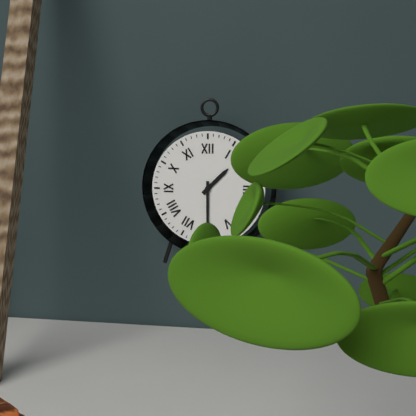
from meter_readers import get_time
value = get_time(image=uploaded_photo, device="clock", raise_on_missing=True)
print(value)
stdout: 1:30
